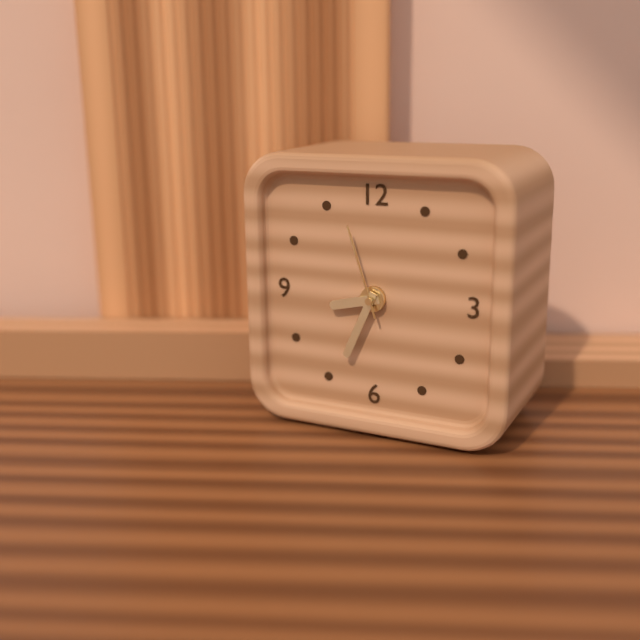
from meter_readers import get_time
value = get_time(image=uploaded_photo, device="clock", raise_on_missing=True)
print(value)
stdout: 8:34:57
